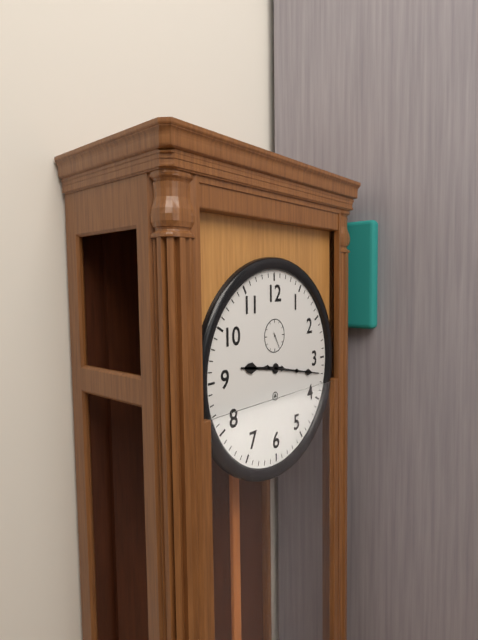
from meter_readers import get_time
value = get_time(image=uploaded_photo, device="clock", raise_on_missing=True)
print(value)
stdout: 9:17
